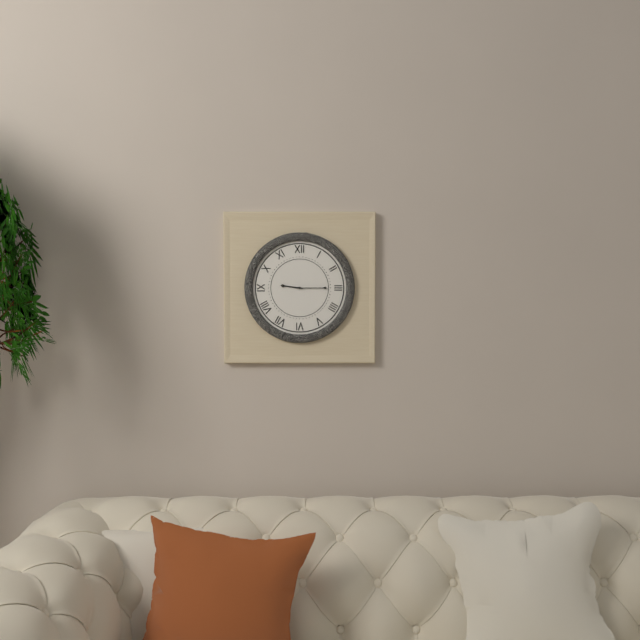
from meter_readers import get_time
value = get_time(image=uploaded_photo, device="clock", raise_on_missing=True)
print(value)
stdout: 9:15
